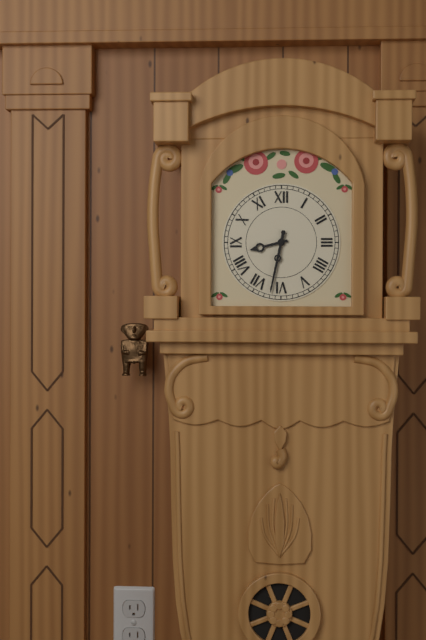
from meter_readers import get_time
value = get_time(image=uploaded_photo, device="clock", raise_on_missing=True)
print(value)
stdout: 8:32
